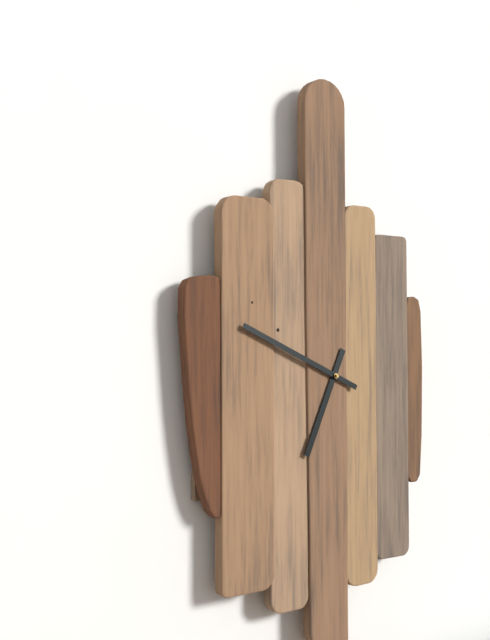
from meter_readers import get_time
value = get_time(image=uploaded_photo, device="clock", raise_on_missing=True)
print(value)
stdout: 6:49
